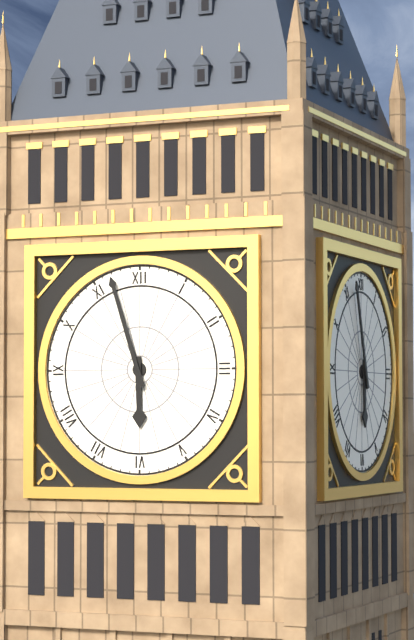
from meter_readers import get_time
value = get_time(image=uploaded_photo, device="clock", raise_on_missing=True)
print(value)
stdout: 5:57
